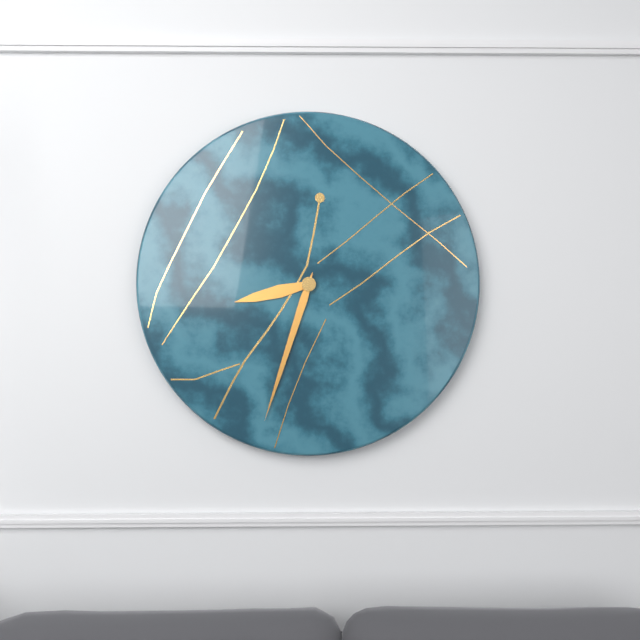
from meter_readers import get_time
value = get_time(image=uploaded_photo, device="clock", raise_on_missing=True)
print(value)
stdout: 8:33
